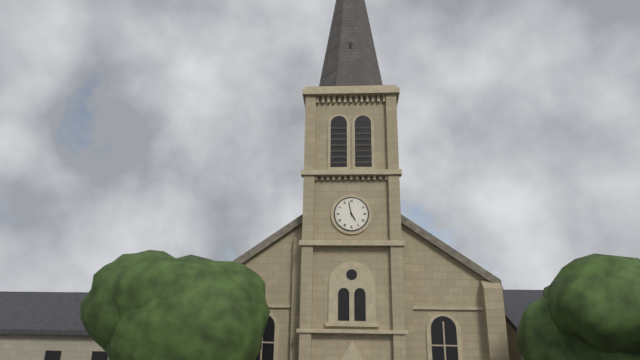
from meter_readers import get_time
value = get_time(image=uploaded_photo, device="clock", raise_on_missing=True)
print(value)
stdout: 4:58
